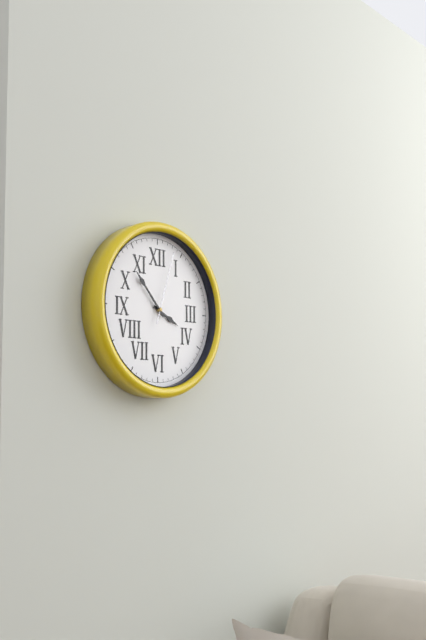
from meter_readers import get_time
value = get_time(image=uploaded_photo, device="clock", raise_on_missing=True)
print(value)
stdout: 3:53:03
